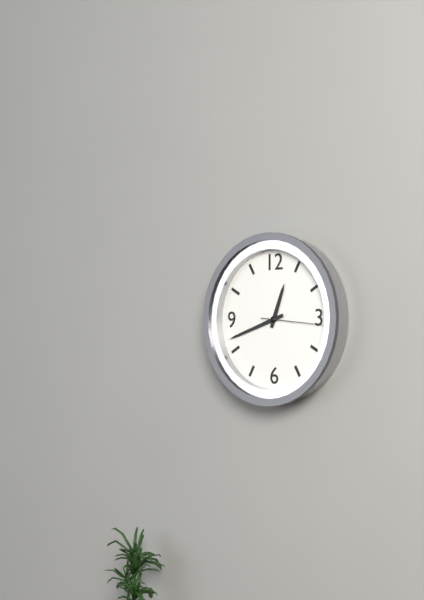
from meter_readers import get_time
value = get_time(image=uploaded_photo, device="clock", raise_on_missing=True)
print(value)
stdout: 12:42:16
